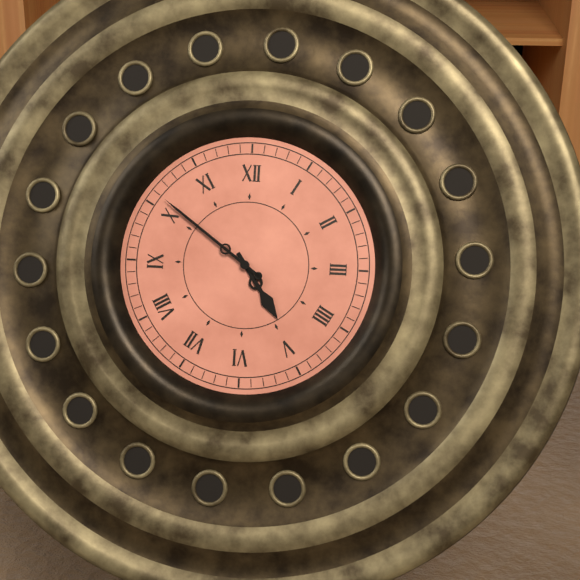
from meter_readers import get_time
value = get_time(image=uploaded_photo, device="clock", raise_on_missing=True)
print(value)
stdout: 4:51
